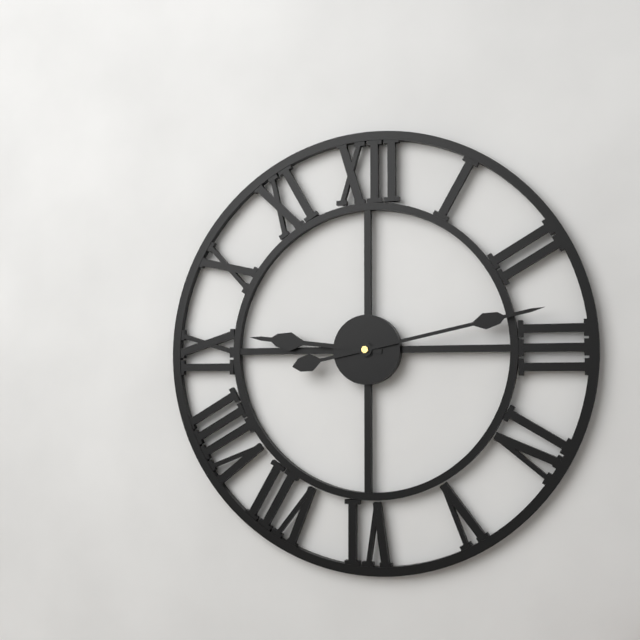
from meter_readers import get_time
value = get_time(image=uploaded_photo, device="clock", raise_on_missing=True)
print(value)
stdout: 9:13
